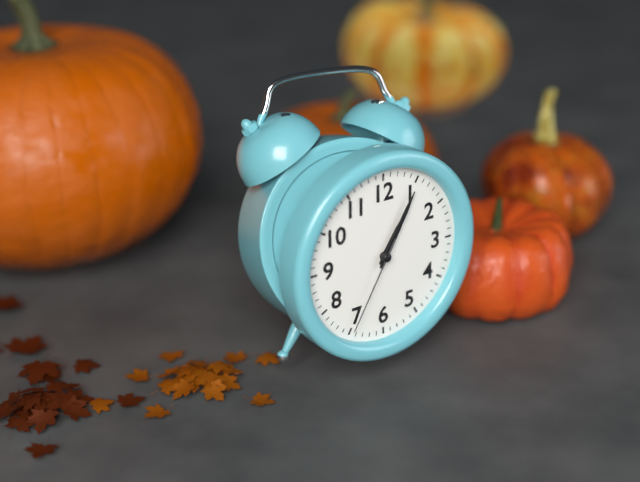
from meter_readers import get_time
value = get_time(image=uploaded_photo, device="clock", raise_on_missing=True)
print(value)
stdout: 1:05:35
